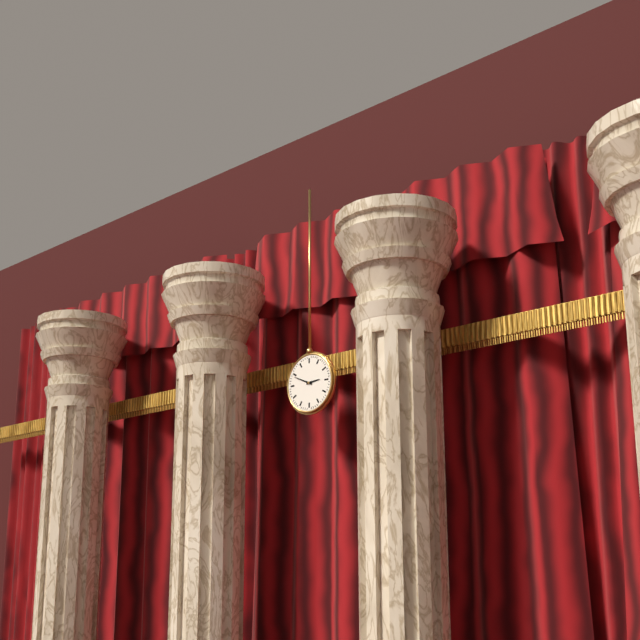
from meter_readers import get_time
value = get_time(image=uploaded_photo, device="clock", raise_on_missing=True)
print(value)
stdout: 2:49
